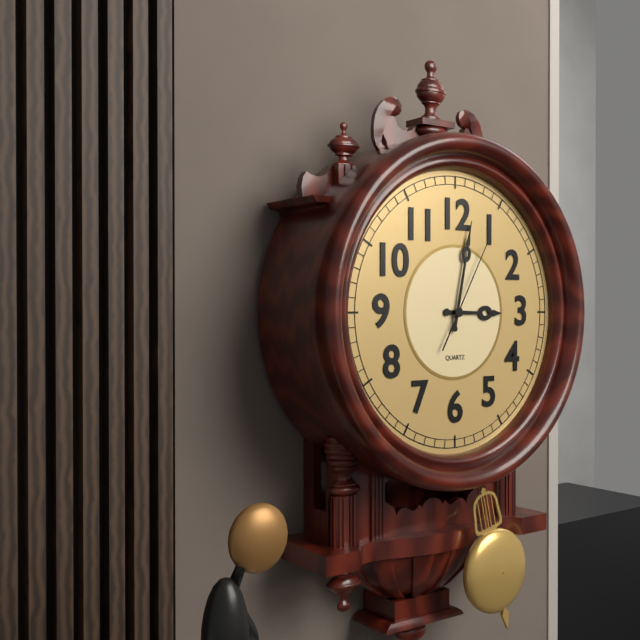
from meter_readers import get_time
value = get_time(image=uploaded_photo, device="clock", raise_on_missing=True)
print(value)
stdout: 3:02:05
